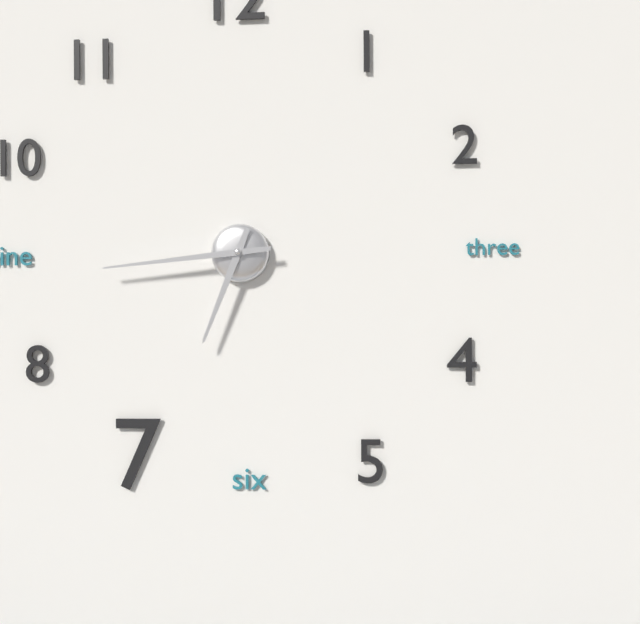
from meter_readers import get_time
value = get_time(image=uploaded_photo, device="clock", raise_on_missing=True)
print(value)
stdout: 6:44
